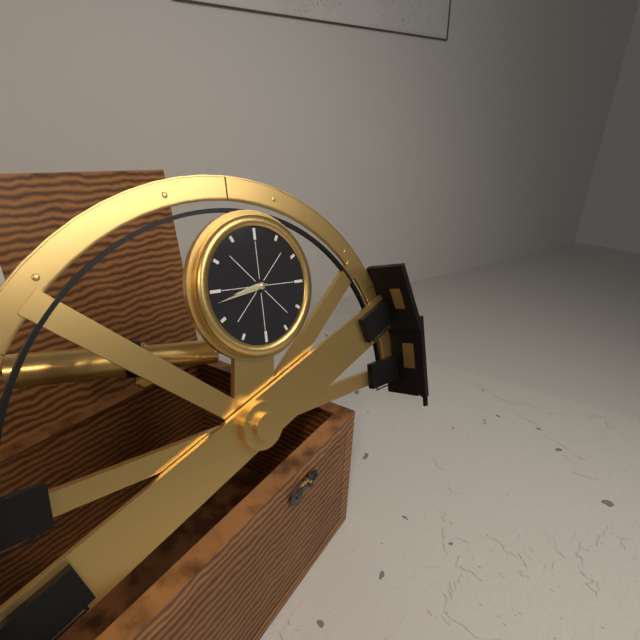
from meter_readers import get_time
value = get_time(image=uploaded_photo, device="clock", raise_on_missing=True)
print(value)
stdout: 8:43
